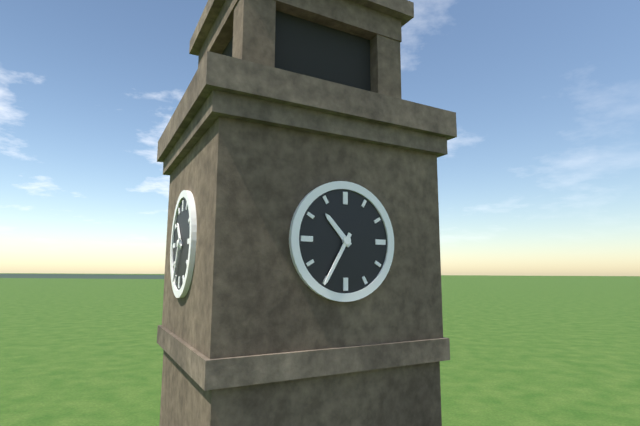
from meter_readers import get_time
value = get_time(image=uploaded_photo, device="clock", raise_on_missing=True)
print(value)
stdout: 10:35
